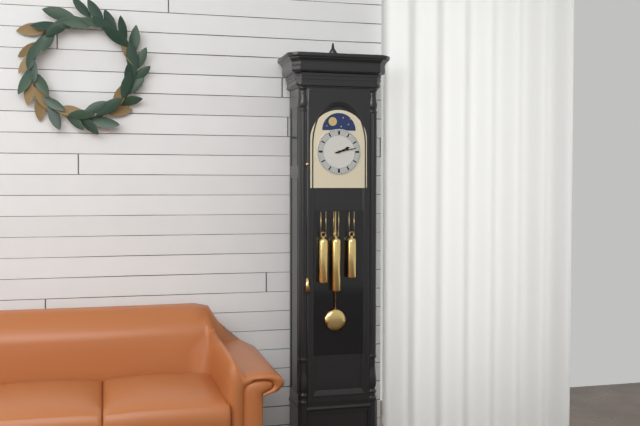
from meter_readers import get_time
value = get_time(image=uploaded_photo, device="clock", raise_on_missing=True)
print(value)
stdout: 2:13
